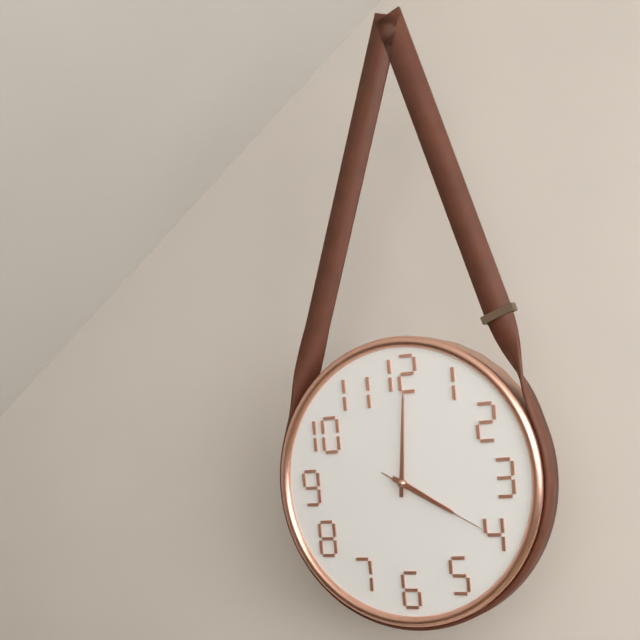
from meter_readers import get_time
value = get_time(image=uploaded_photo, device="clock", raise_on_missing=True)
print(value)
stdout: 4:01:20
